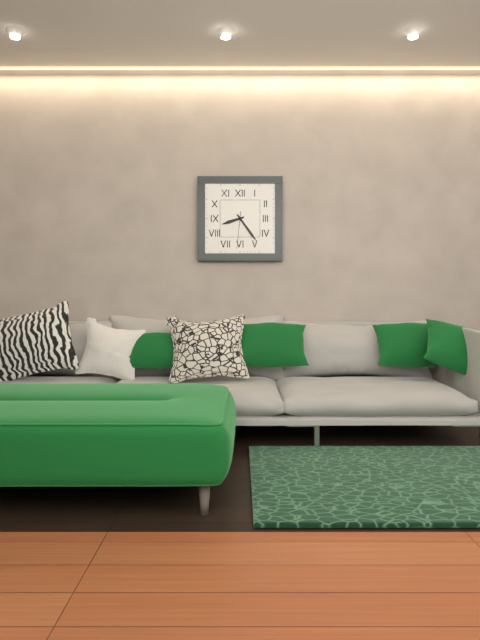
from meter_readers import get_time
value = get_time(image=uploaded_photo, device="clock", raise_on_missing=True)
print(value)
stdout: 8:24
